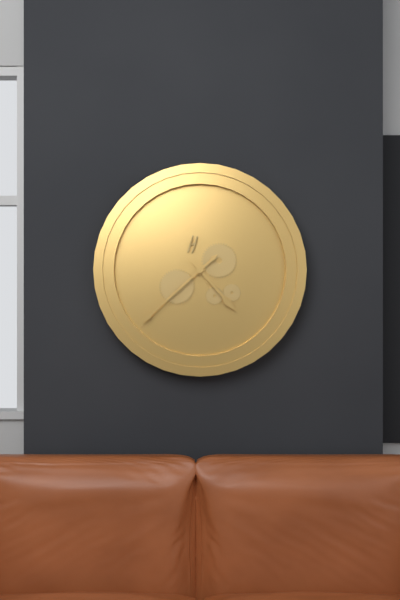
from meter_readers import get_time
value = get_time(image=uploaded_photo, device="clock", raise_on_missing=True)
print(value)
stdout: 4:38
